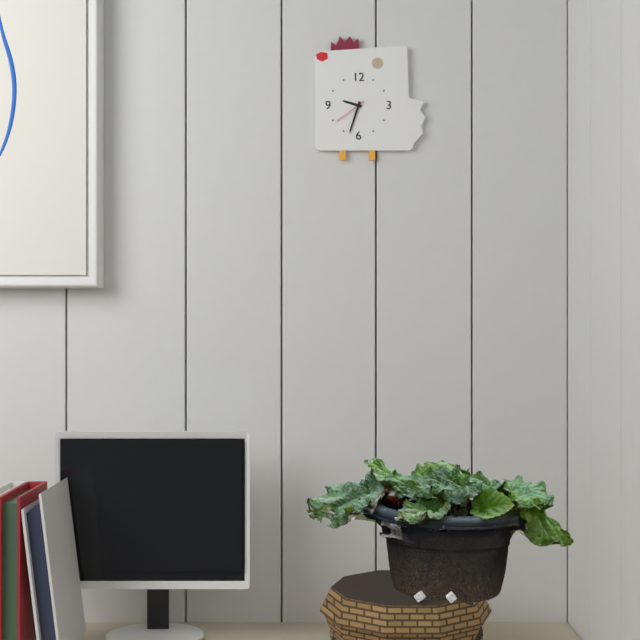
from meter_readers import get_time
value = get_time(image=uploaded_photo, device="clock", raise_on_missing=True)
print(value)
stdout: 9:33
